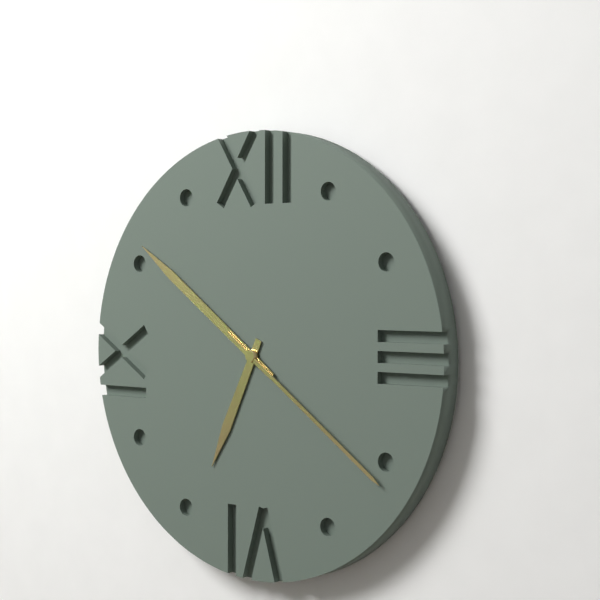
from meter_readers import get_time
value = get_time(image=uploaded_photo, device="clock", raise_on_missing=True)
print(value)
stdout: 6:51:21
